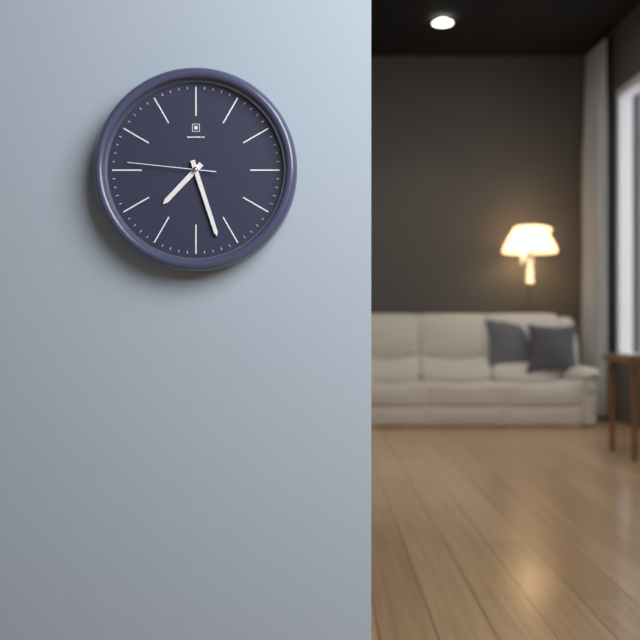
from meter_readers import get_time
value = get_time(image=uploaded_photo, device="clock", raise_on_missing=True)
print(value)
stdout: 7:27:46
